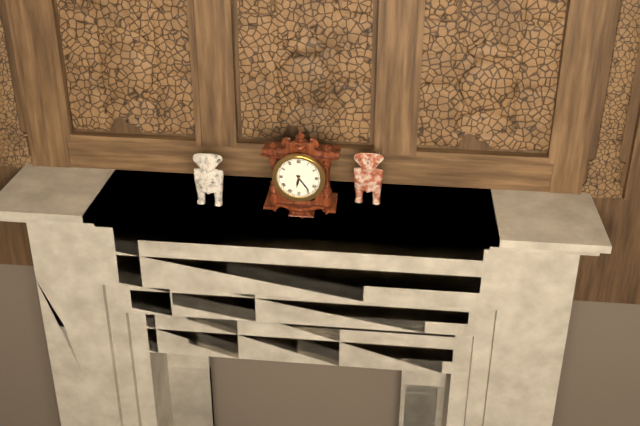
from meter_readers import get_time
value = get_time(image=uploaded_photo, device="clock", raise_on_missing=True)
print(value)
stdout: 6:24
